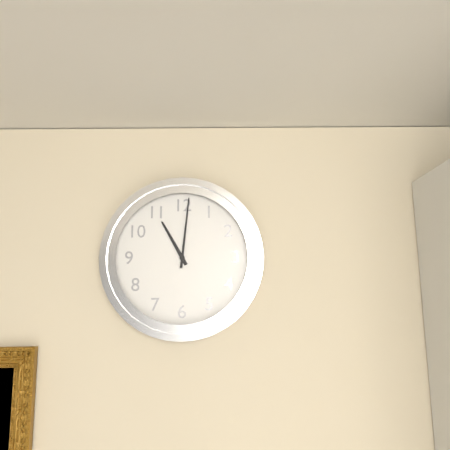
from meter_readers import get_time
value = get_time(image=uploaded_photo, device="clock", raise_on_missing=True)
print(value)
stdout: 11:01
